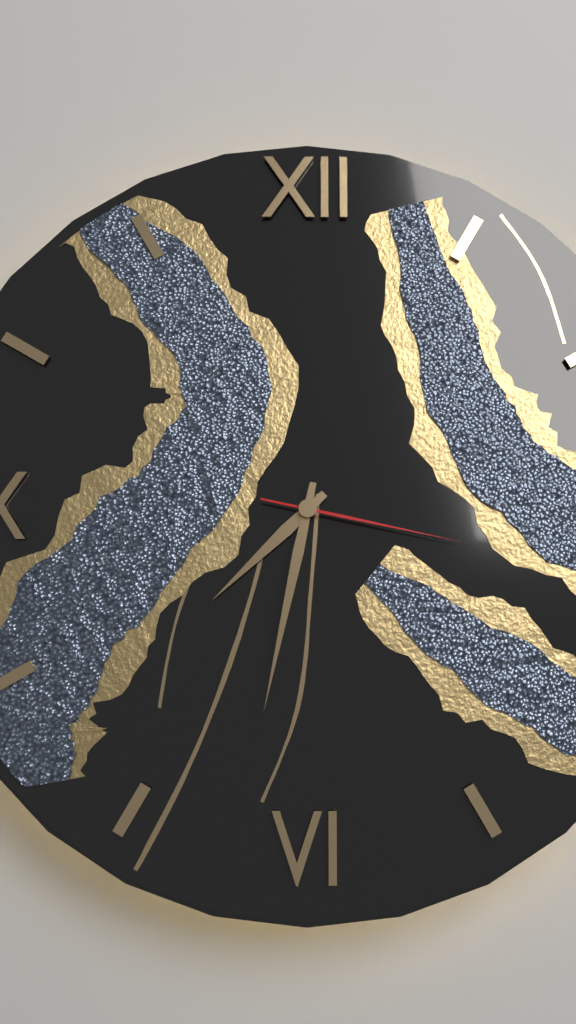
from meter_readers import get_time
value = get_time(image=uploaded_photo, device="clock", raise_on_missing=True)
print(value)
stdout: 7:32:17
